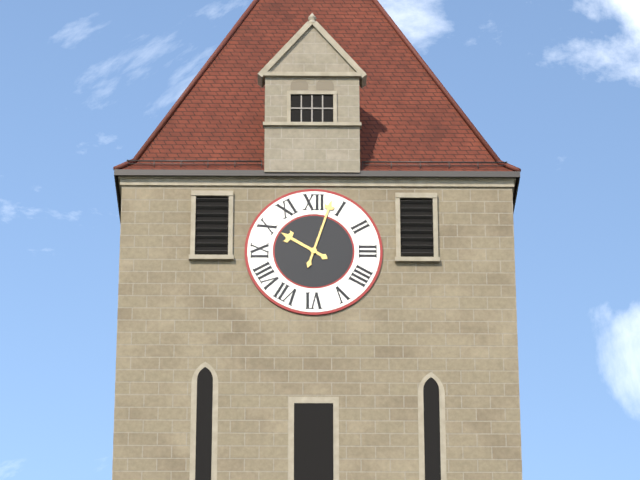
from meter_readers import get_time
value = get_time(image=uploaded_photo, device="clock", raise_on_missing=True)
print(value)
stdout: 10:03
